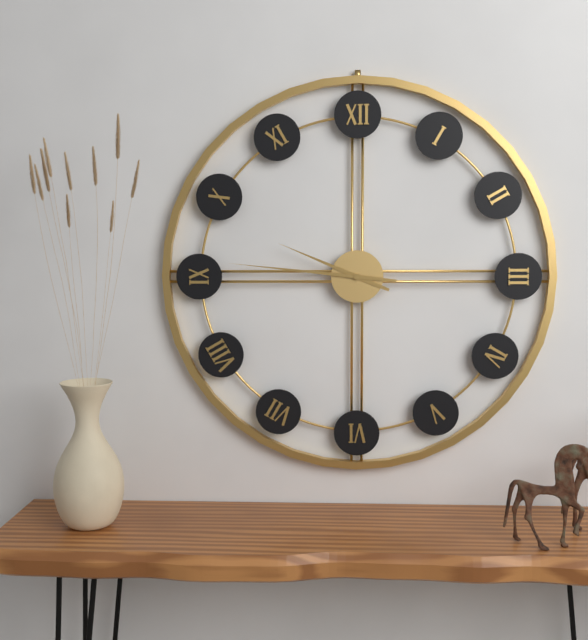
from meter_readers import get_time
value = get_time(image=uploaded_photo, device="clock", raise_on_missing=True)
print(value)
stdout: 9:46
